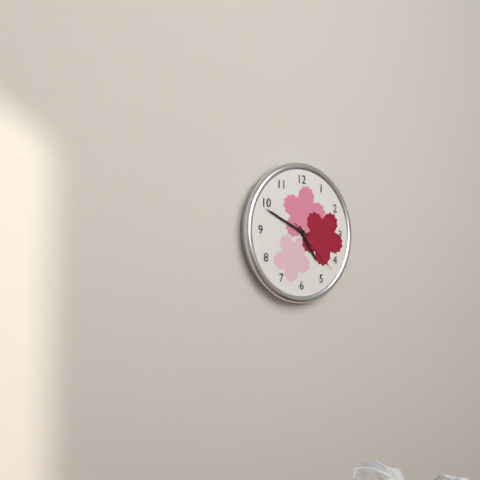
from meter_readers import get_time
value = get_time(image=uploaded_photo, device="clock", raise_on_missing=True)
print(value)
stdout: 4:49:22
